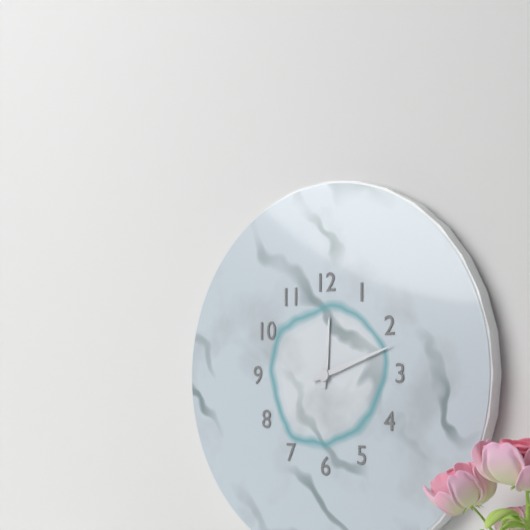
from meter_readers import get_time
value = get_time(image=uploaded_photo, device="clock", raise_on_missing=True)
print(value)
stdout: 12:12
